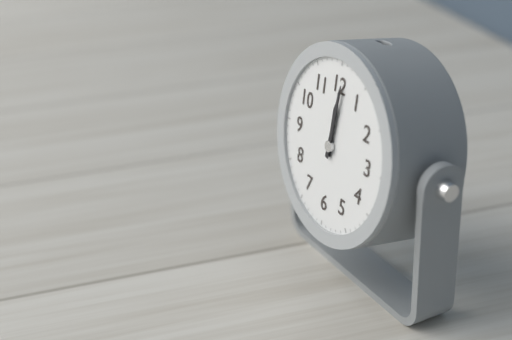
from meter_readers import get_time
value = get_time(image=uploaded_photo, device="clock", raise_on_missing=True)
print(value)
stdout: 12:01
